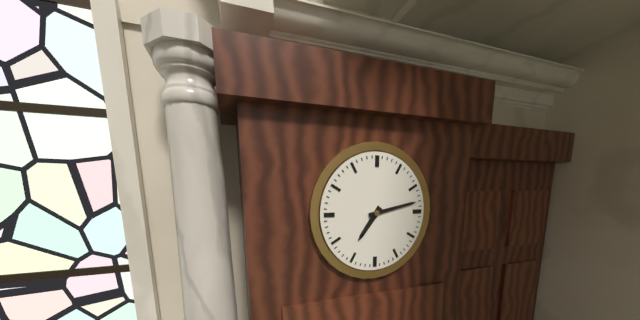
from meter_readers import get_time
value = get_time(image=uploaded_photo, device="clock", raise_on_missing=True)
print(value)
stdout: 7:13
